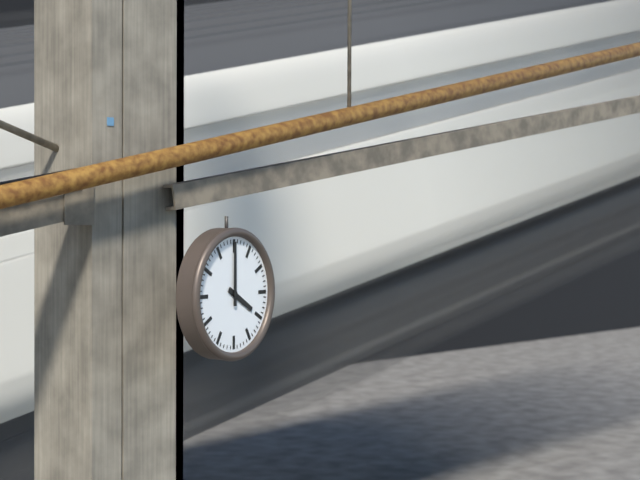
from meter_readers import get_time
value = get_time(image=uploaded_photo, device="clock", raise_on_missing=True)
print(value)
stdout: 4:00
